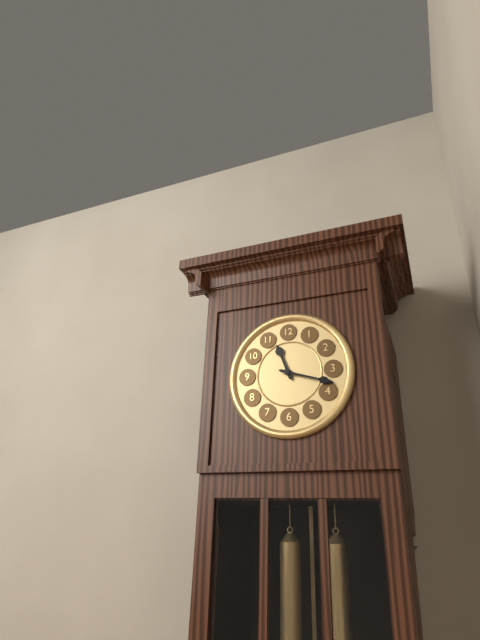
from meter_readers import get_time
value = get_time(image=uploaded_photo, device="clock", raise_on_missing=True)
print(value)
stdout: 11:18
